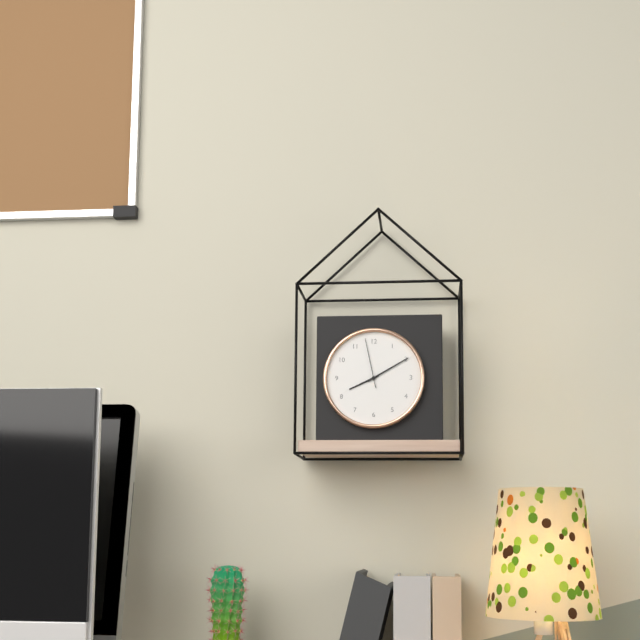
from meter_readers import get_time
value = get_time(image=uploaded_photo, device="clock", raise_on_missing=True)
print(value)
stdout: 8:10:58
